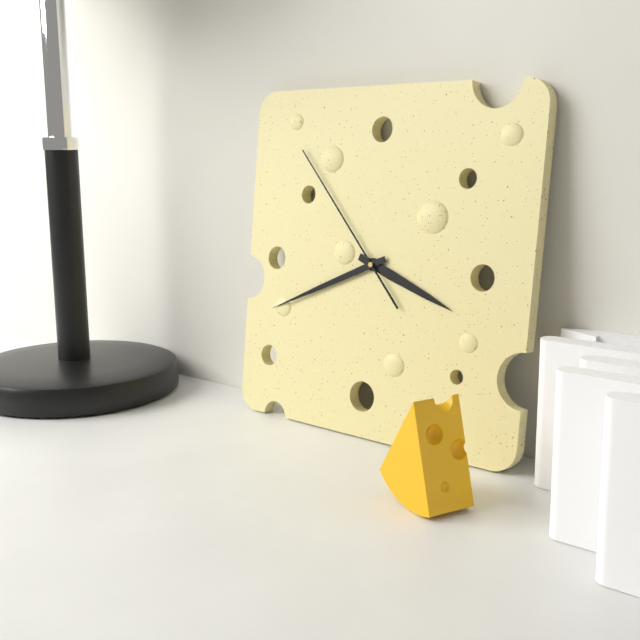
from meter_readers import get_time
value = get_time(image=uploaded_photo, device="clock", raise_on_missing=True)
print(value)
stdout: 3:41:53
